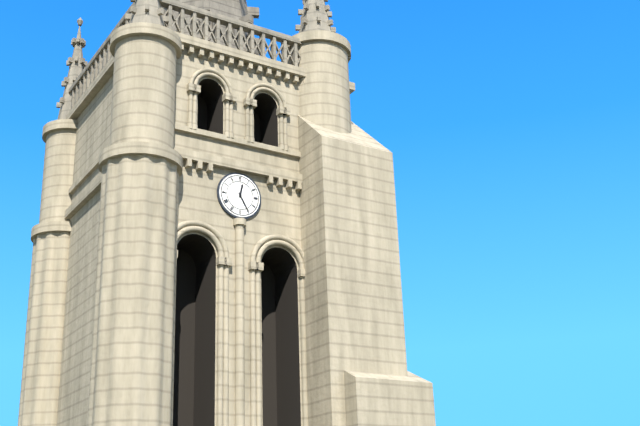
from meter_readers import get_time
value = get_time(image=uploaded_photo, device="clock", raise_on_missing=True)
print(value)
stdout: 12:25
